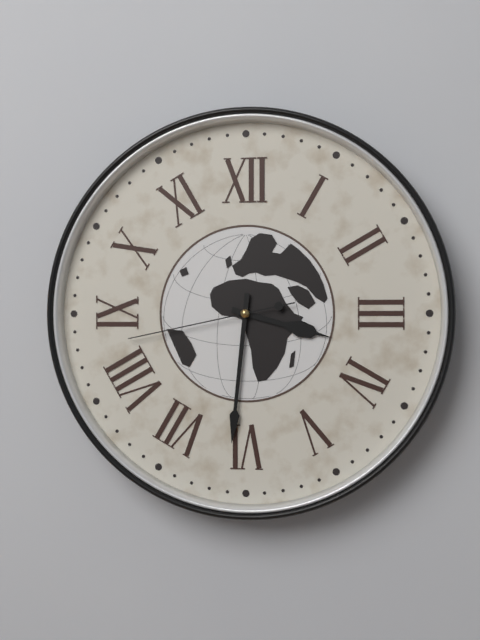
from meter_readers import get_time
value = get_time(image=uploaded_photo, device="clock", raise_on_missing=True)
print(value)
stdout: 3:31:43
